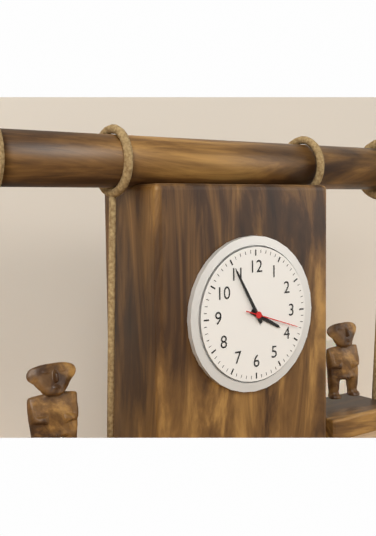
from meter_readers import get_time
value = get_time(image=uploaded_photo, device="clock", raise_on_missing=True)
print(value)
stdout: 3:55:18
